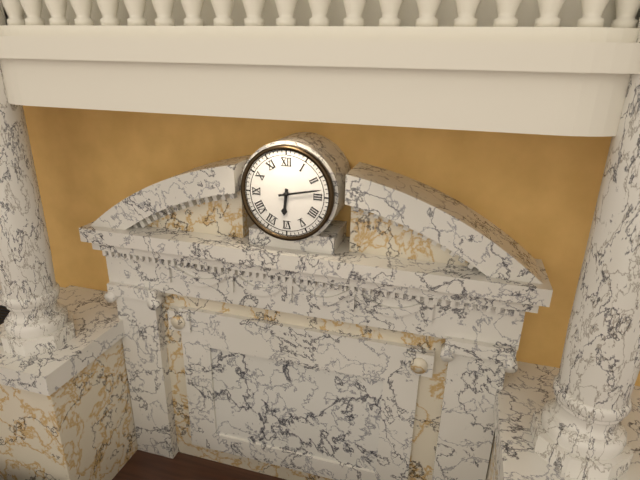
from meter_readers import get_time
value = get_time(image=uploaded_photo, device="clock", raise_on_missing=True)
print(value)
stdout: 6:13
